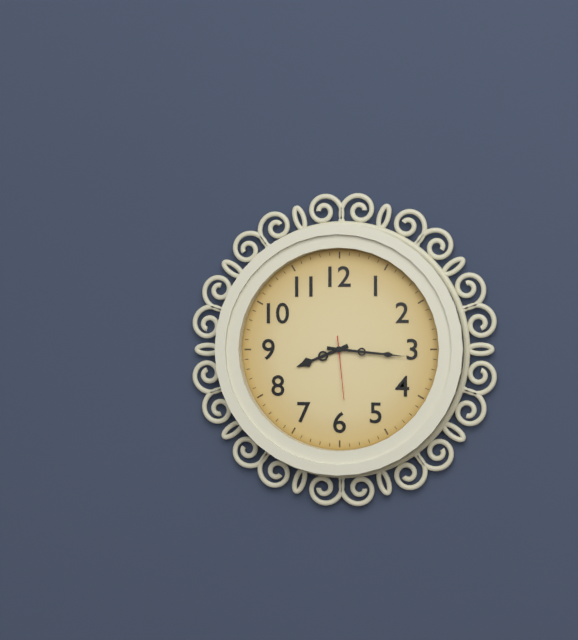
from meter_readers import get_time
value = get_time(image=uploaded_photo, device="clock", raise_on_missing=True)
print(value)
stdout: 8:16:29
